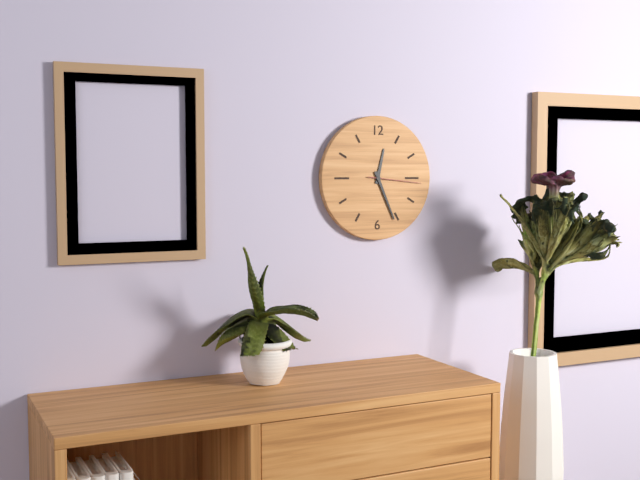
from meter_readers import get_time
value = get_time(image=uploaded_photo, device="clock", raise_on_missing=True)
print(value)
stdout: 12:26:16
